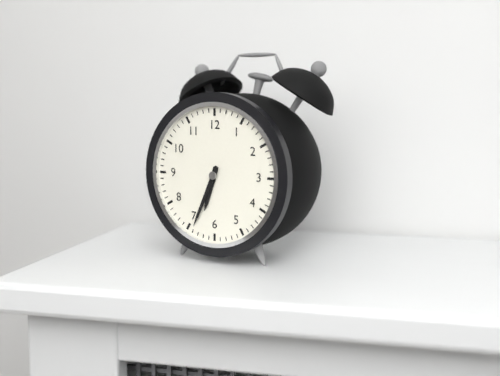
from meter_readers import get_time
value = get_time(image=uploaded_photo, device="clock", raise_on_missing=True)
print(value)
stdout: 6:34
